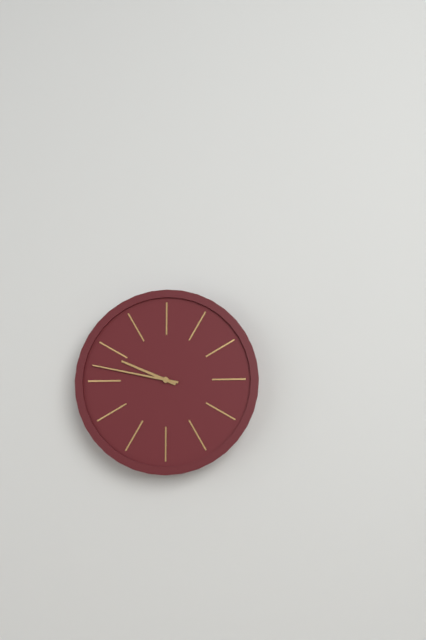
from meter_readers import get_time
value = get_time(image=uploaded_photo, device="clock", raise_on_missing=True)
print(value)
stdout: 9:47
